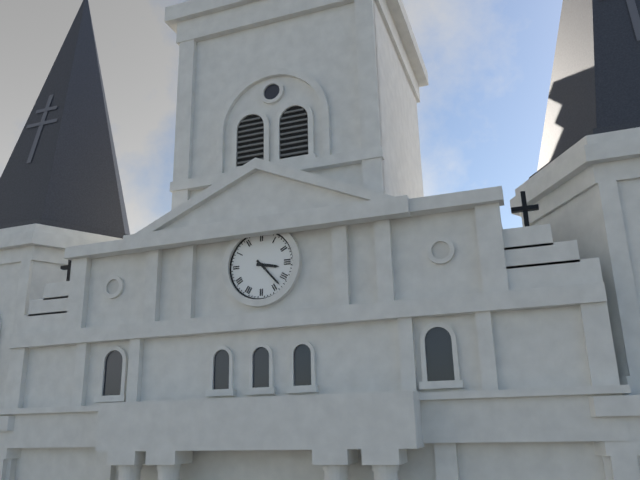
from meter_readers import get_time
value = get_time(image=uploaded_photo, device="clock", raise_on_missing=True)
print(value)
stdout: 3:23
